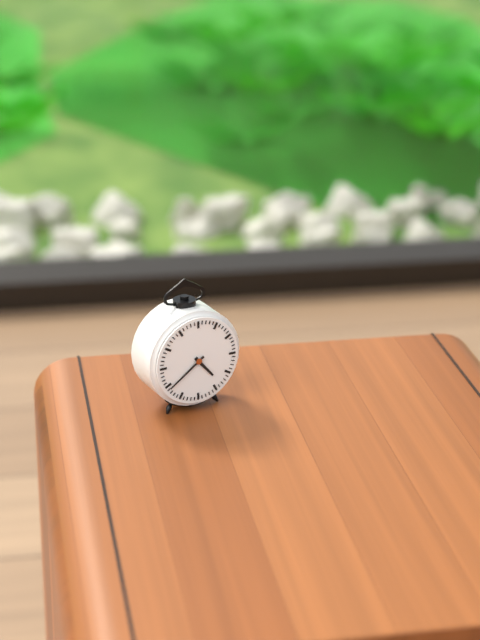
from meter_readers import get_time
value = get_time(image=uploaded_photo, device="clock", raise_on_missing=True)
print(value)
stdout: 4:39
